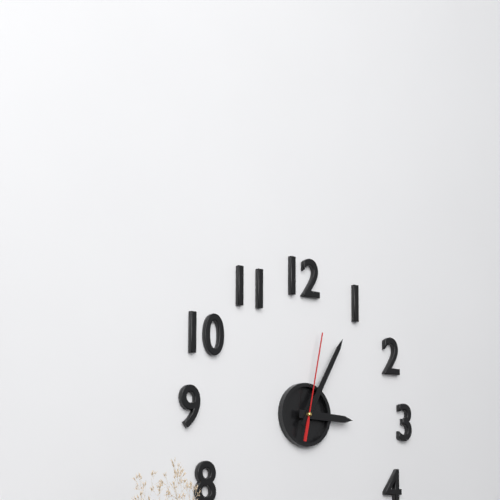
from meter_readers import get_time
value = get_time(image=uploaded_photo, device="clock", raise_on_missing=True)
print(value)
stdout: 3:05:02
